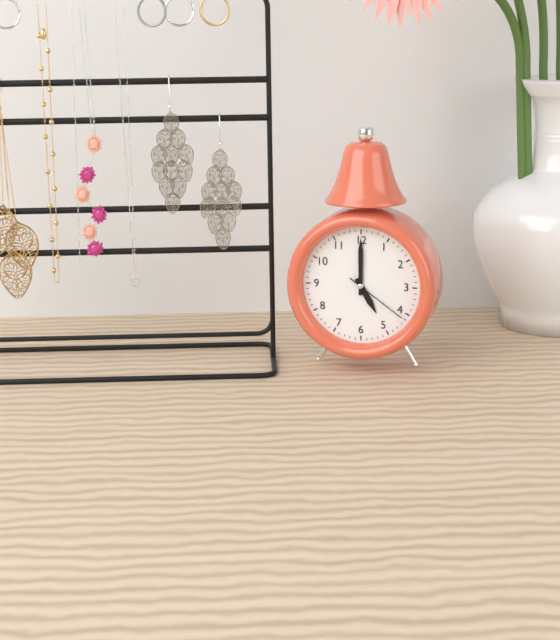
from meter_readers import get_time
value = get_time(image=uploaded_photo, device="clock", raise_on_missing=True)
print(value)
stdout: 5:00:21
